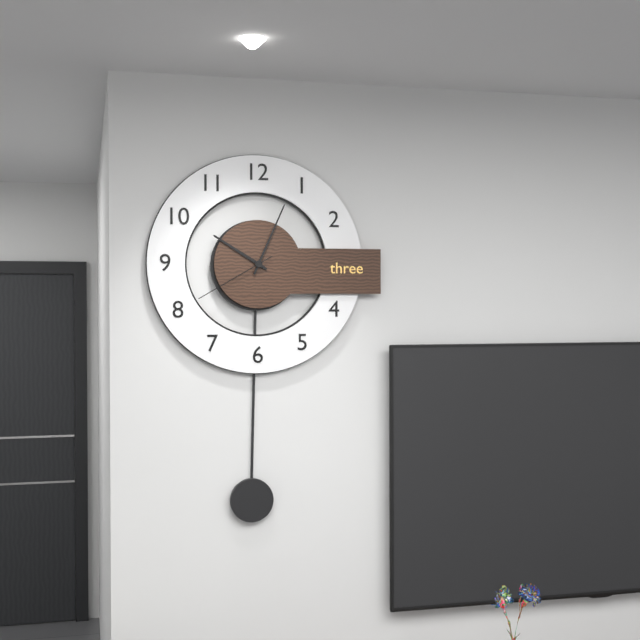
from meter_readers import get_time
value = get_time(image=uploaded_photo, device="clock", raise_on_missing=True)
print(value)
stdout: 10:04:40
